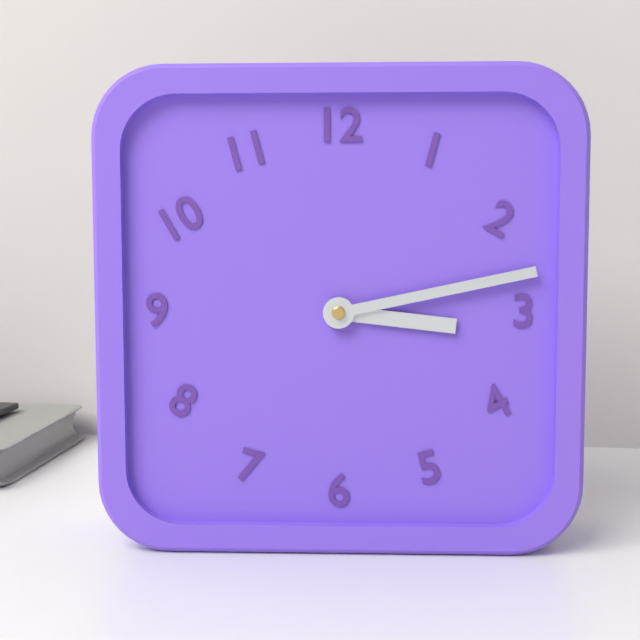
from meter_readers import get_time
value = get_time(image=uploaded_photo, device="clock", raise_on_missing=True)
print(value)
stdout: 3:13
